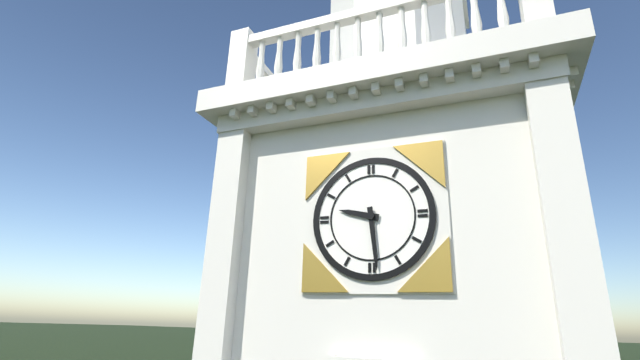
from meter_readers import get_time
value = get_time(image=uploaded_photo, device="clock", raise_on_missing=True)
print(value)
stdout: 9:29
